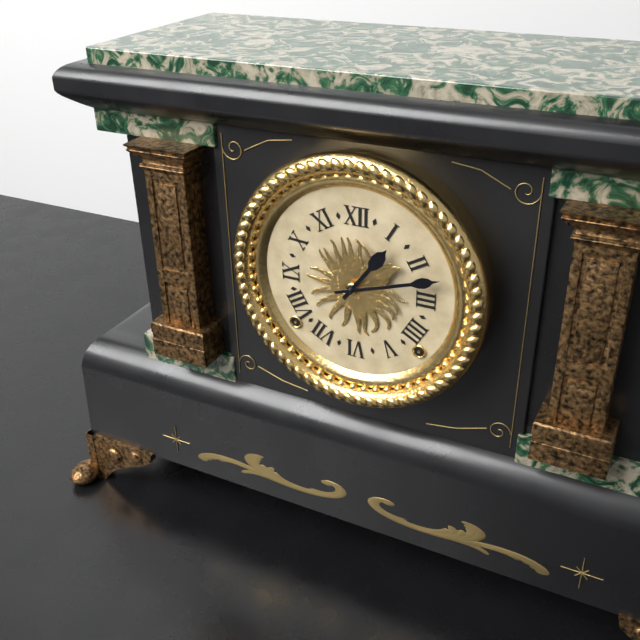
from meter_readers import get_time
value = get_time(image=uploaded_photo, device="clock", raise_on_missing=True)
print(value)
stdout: 1:12
